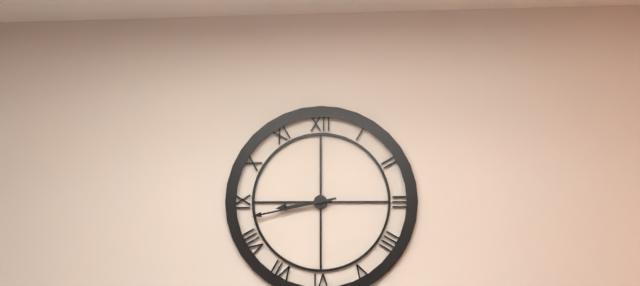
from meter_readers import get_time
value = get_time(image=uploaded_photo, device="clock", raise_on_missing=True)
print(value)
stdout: 8:43
